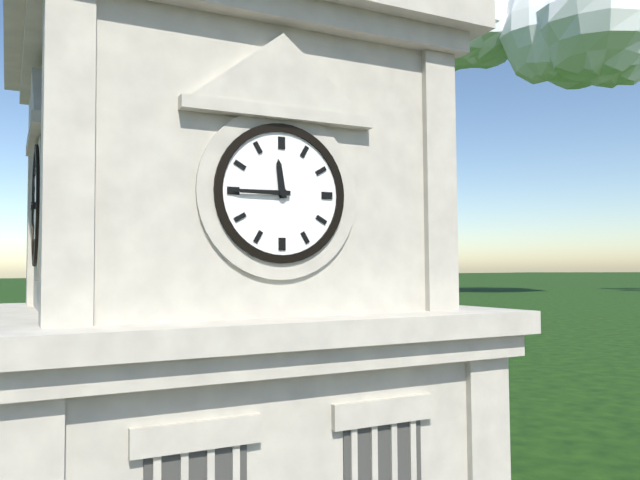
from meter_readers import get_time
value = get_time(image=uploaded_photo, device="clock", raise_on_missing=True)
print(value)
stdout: 11:45
